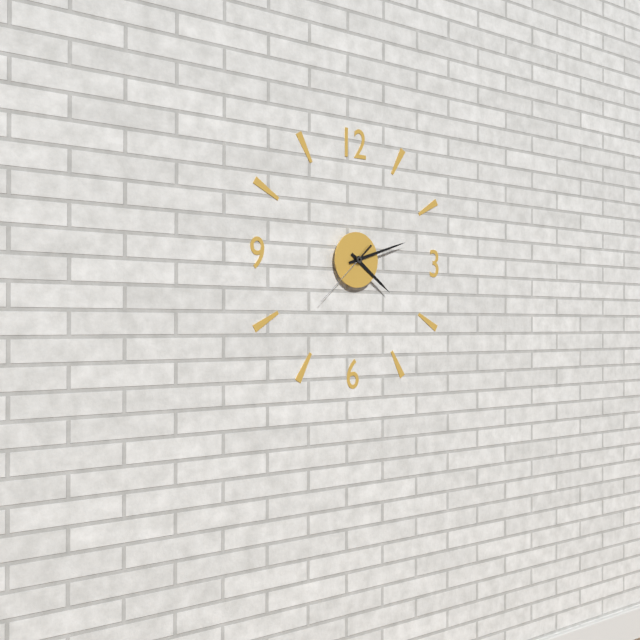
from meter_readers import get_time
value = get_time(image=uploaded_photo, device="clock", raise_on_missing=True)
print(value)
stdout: 4:12:38
